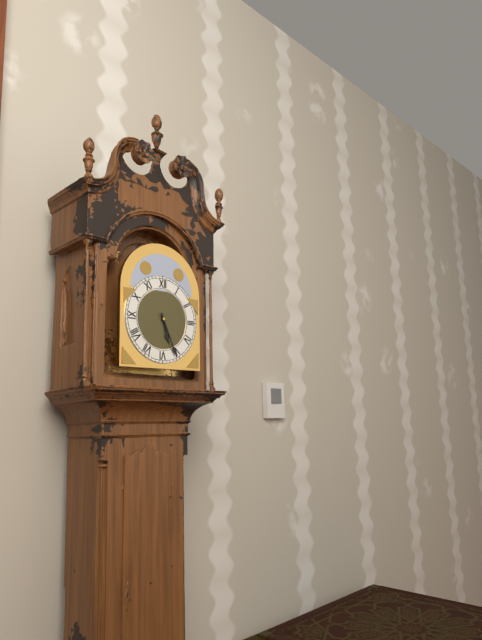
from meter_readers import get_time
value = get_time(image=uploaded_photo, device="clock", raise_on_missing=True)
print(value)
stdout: 5:26
